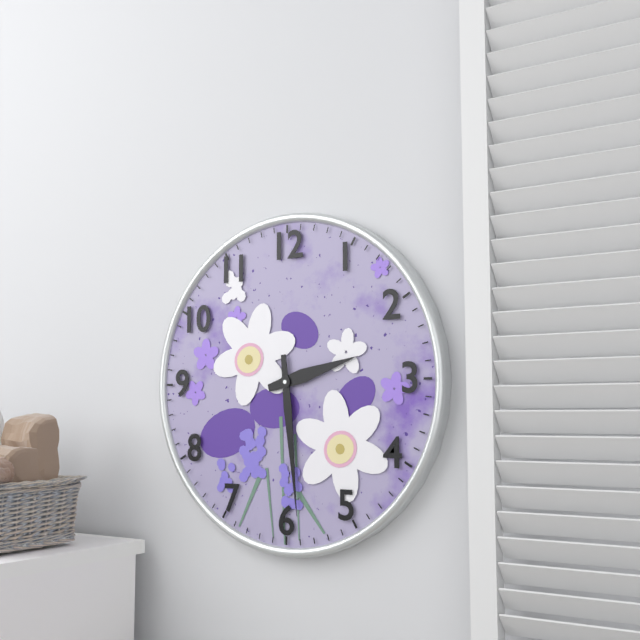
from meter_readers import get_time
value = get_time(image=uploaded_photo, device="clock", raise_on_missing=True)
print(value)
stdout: 2:29
